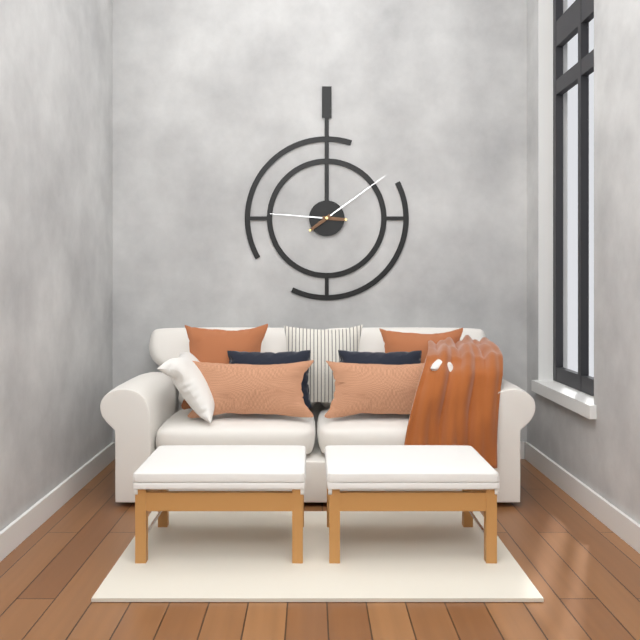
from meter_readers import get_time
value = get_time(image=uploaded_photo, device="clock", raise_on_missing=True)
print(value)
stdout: 9:09
